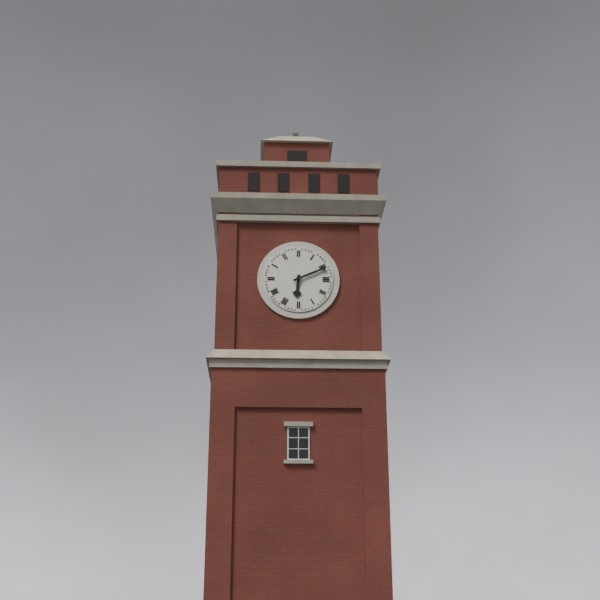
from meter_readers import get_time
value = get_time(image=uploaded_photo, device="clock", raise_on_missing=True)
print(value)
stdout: 6:11
